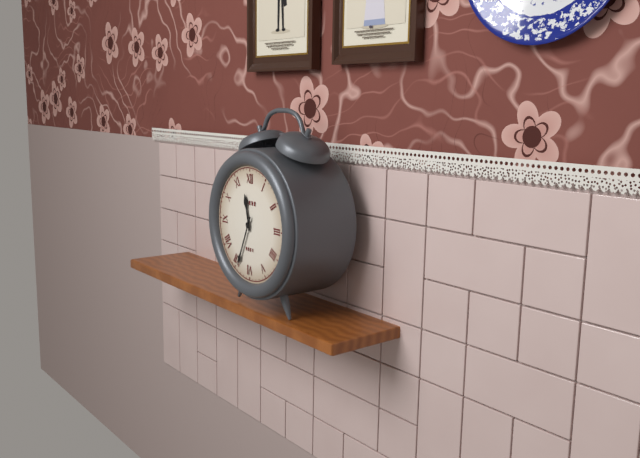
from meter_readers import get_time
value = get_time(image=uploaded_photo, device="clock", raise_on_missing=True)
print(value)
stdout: 11:34
